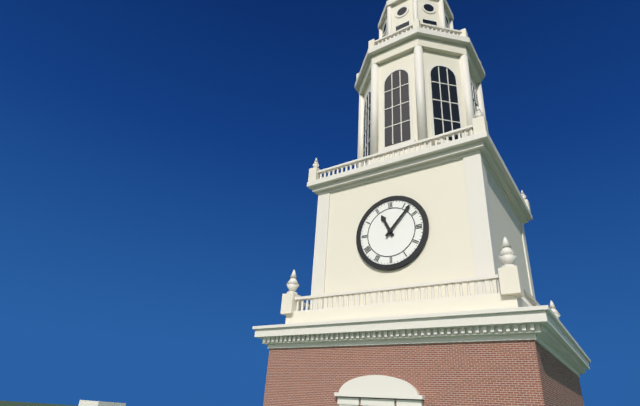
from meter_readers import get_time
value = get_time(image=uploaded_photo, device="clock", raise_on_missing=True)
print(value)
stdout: 11:07
